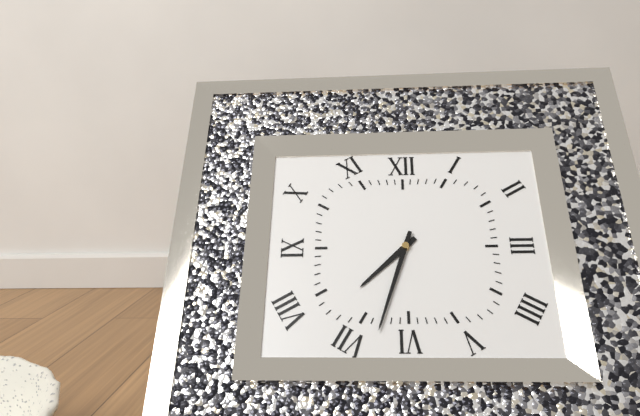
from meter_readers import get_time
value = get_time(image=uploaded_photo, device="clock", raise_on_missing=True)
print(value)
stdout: 7:33
